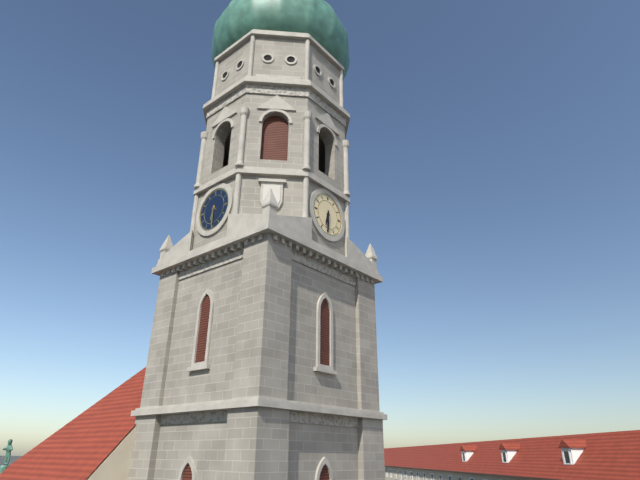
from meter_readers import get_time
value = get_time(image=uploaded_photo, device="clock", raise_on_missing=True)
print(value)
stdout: 6:30
